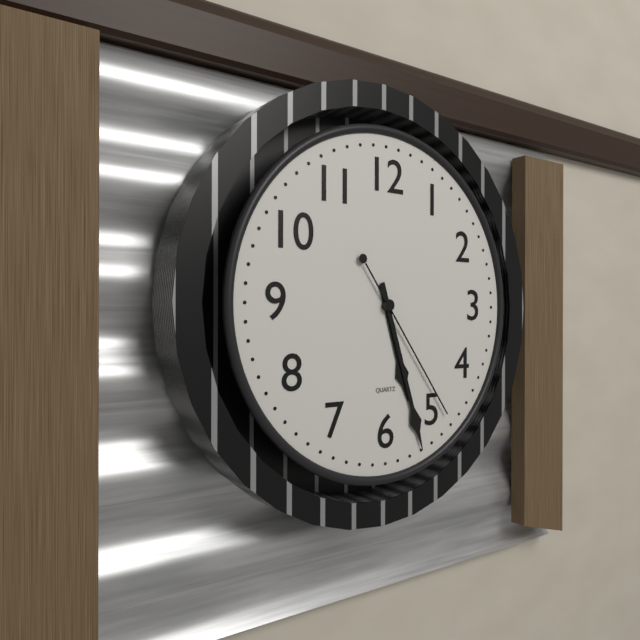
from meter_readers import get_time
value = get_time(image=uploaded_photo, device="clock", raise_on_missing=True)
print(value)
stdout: 5:27:24
